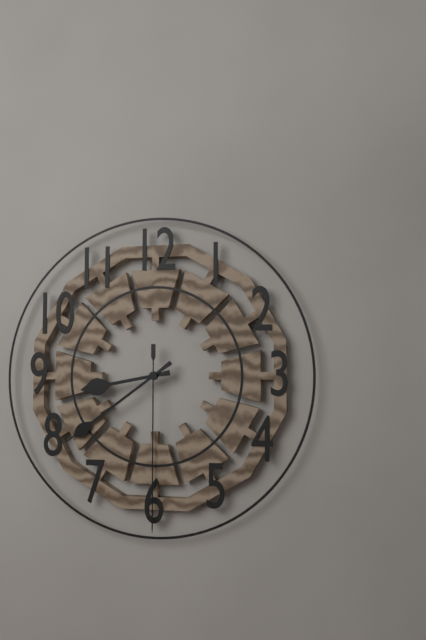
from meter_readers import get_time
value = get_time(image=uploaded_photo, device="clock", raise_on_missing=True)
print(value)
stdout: 8:39:30
